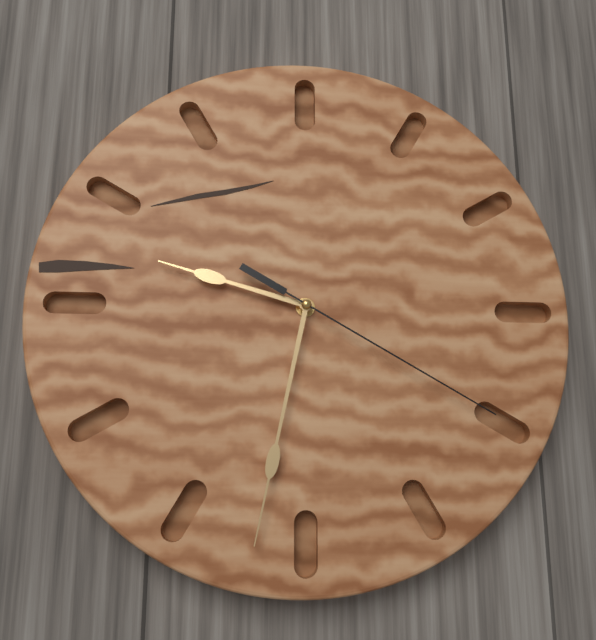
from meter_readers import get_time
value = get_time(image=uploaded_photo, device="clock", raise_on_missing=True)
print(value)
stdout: 9:32:20
